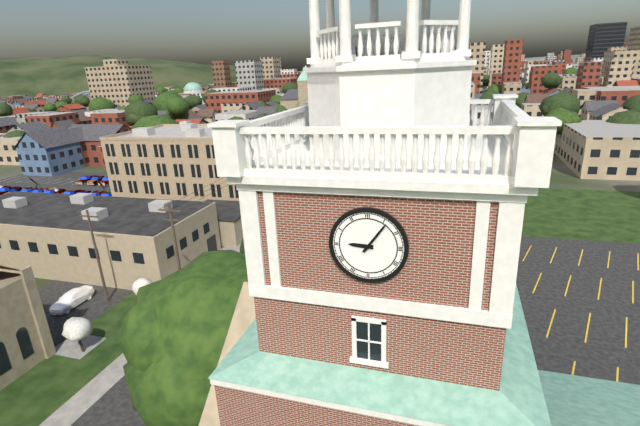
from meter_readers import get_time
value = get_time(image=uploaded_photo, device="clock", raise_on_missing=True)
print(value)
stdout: 9:06
